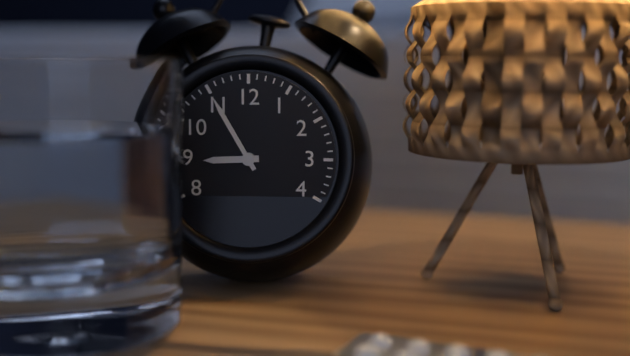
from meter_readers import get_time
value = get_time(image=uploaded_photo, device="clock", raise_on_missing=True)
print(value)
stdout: 8:55
